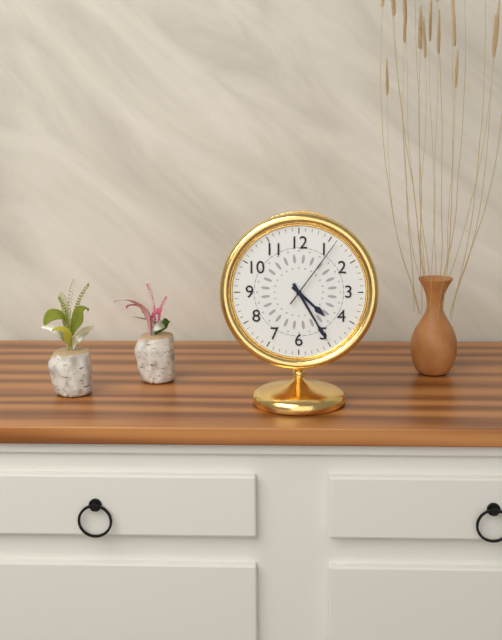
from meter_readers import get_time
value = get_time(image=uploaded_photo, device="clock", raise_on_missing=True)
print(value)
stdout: 4:25:06
